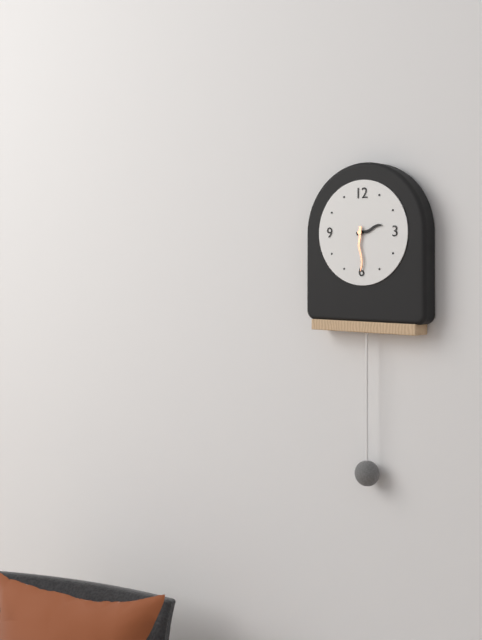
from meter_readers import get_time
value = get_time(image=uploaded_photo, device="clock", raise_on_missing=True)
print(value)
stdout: 2:30
